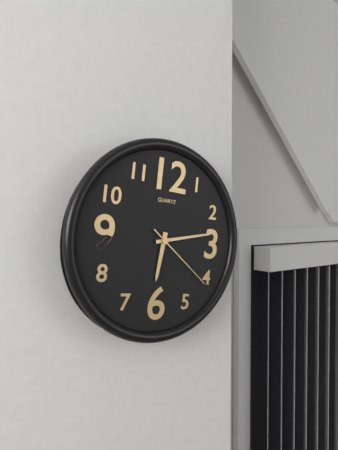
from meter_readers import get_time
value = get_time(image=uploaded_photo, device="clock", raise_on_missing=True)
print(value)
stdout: 6:13:21
